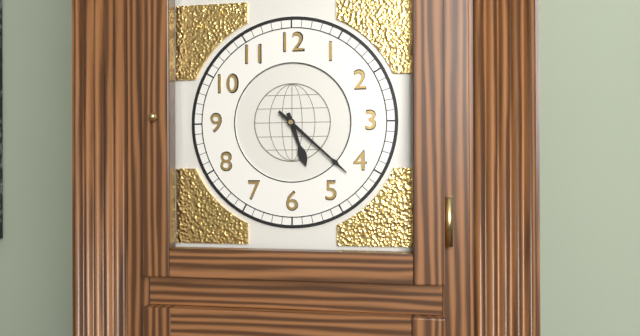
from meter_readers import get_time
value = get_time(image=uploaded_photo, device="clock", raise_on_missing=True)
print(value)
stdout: 5:22
